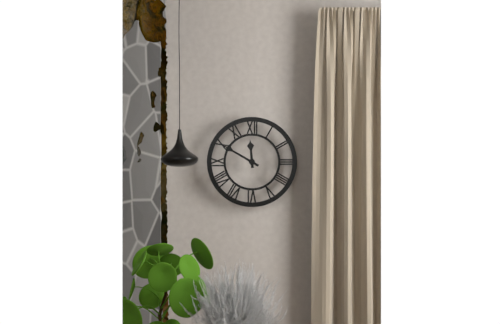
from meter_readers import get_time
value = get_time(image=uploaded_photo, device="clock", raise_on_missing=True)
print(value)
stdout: 11:50
